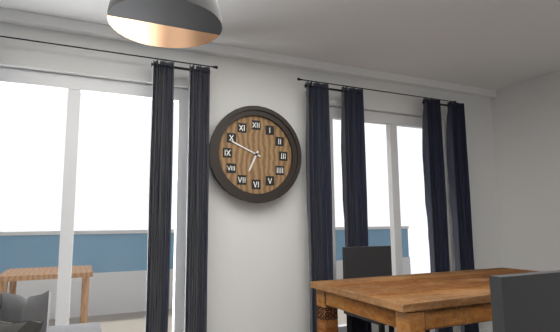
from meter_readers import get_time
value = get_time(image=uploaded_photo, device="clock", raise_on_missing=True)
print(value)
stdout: 6:49
